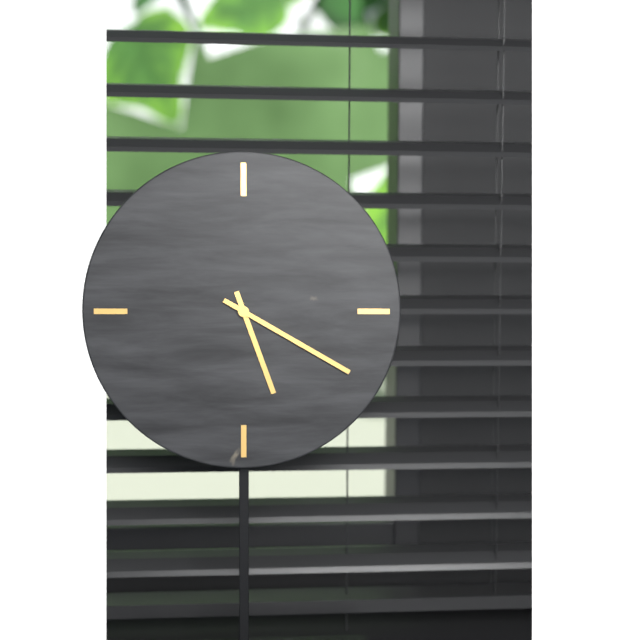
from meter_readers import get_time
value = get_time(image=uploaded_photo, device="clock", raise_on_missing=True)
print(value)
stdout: 5:20
